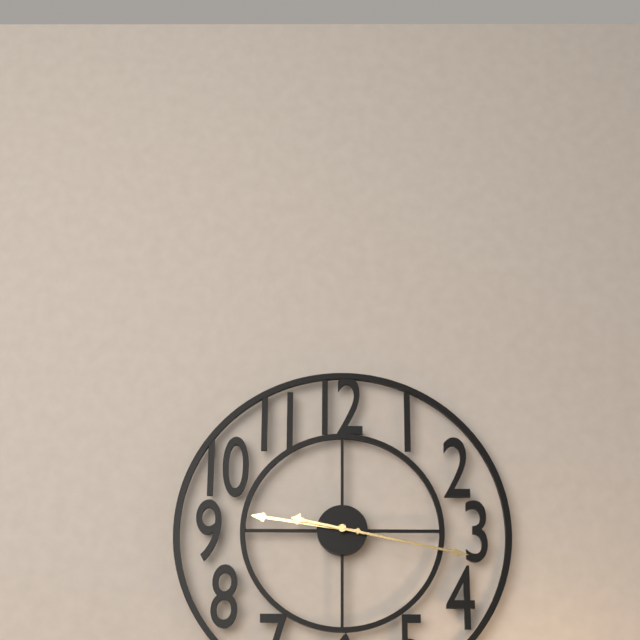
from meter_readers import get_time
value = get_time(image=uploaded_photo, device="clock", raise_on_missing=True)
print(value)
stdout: 9:17
